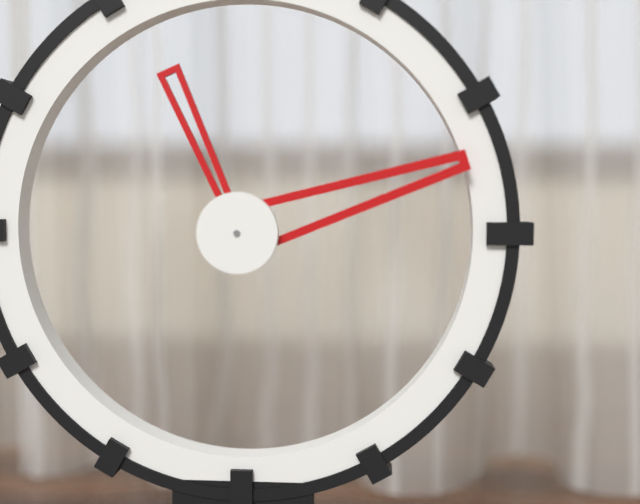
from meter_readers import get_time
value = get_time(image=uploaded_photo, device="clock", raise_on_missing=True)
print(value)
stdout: 11:12
